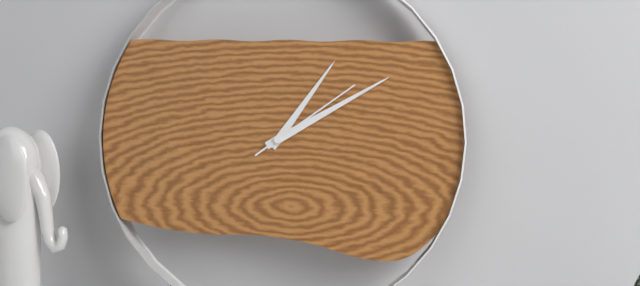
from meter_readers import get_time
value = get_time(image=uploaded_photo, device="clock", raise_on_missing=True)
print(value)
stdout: 1:10:09
